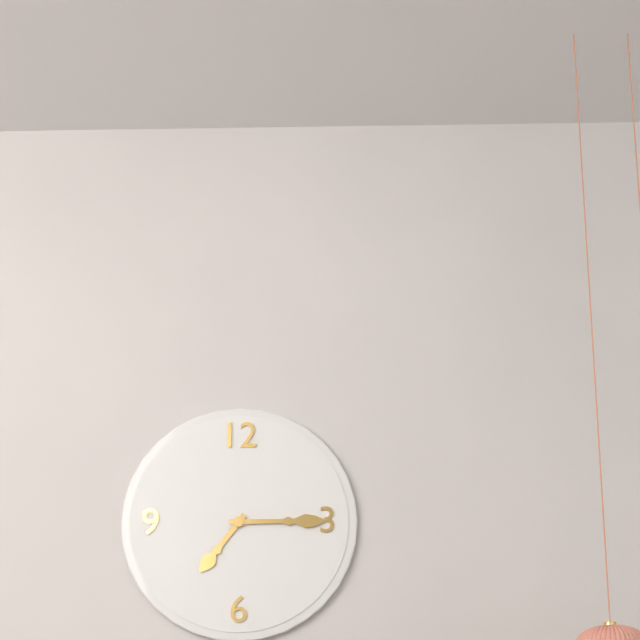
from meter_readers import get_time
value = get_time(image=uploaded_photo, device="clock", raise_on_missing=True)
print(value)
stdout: 7:15
